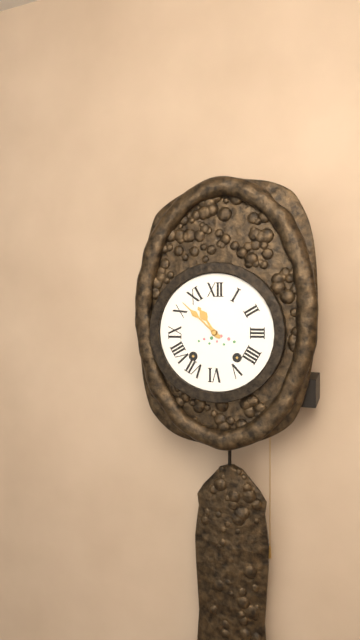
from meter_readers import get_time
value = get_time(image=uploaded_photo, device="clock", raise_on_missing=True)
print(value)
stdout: 10:52
